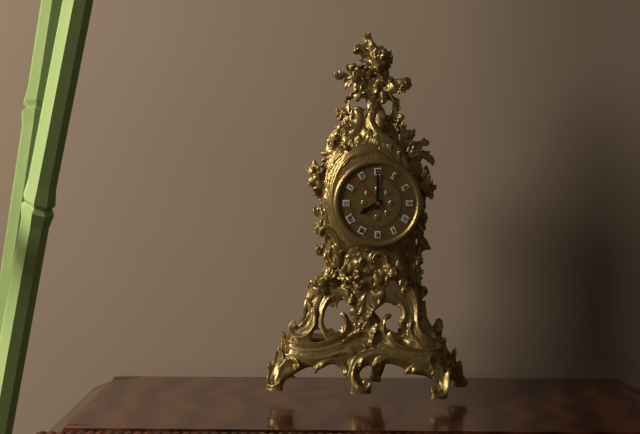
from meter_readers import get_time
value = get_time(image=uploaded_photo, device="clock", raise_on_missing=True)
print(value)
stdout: 8:00
